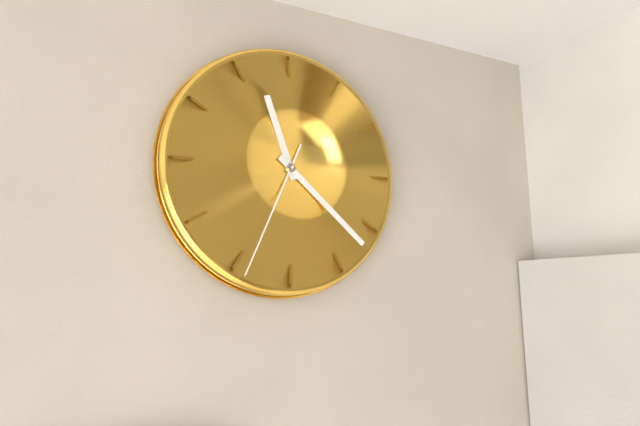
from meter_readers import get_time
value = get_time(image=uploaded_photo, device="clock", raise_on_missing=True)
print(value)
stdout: 11:22:34
